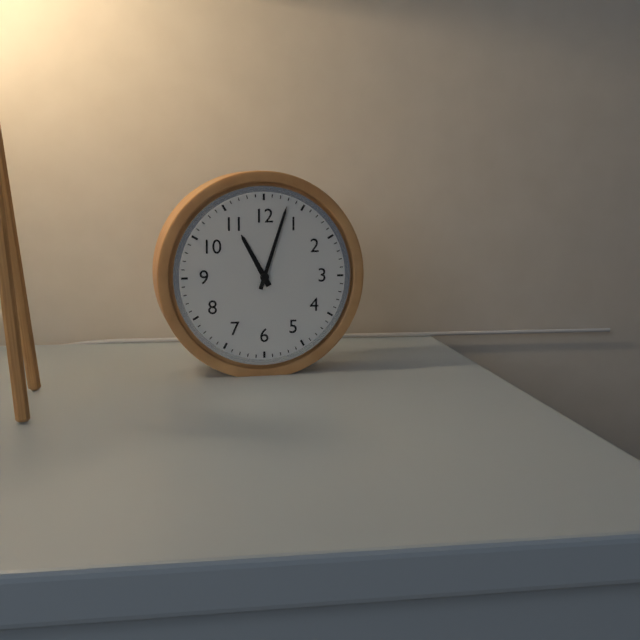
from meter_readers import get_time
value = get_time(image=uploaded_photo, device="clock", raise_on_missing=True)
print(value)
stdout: 11:03
